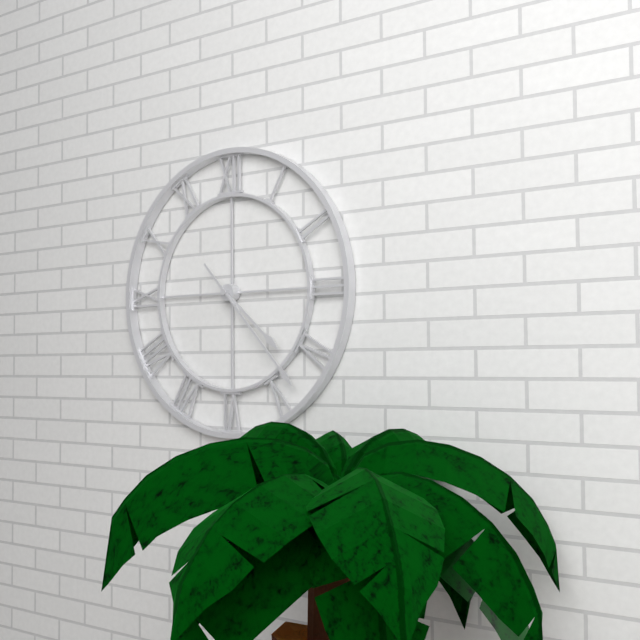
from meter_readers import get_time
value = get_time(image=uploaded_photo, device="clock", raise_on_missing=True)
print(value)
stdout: 4:23
